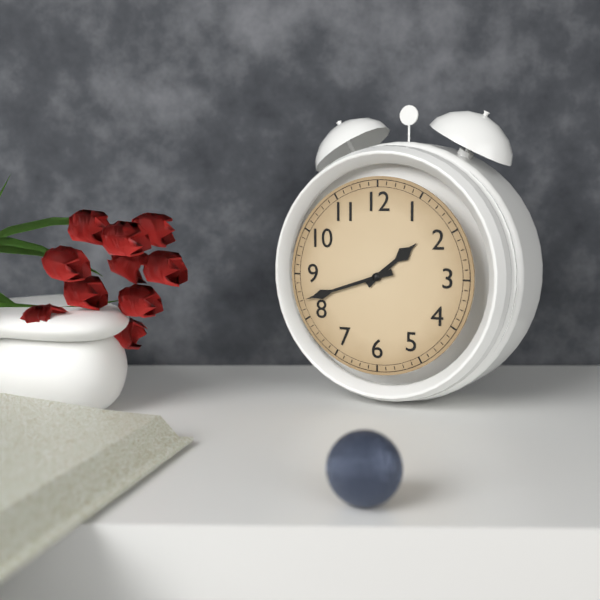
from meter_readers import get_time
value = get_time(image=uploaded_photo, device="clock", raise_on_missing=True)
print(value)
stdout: 1:42
